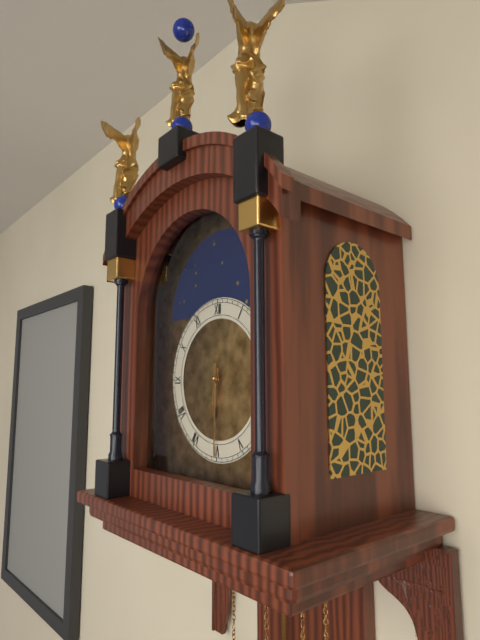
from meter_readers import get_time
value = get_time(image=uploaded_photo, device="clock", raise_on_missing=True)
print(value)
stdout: 6:30
